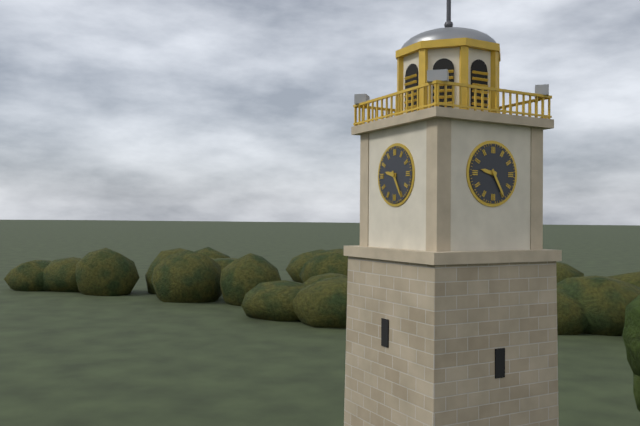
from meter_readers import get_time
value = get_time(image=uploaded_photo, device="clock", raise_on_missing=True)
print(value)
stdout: 9:25
